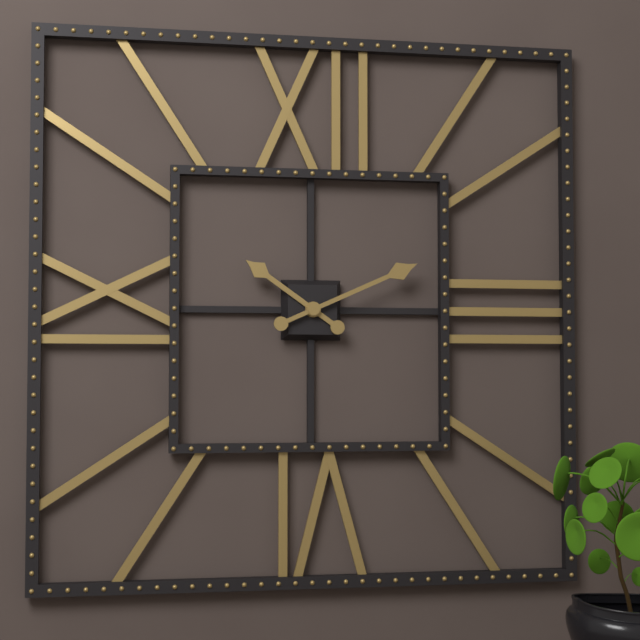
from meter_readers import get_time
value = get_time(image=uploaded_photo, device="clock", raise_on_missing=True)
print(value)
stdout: 10:11
